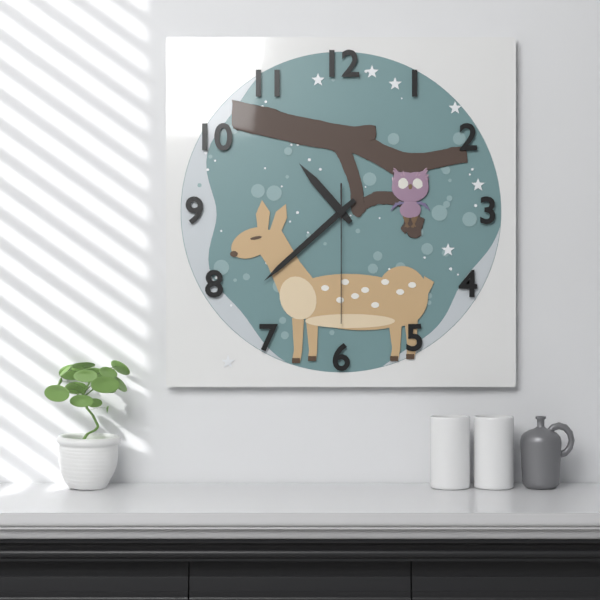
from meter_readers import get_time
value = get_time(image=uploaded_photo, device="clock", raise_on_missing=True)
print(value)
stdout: 10:38:30
